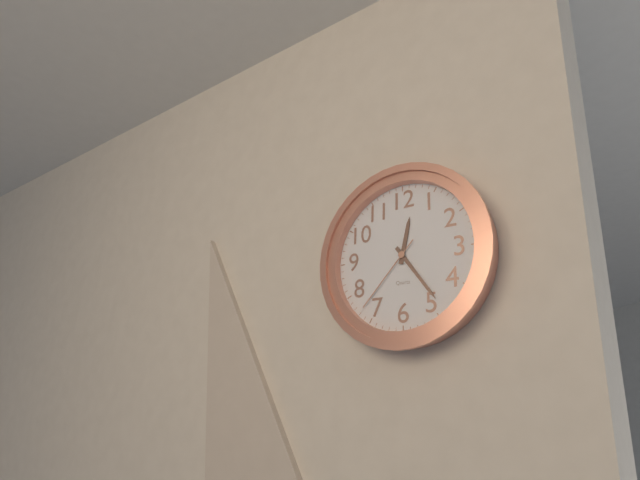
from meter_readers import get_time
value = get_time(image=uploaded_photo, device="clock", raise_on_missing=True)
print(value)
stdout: 12:24:37
